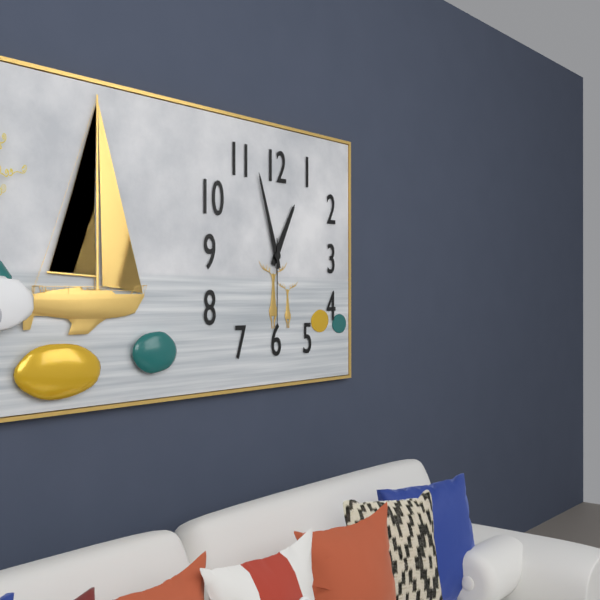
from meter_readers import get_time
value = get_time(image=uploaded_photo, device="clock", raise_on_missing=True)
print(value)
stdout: 12:57:30
